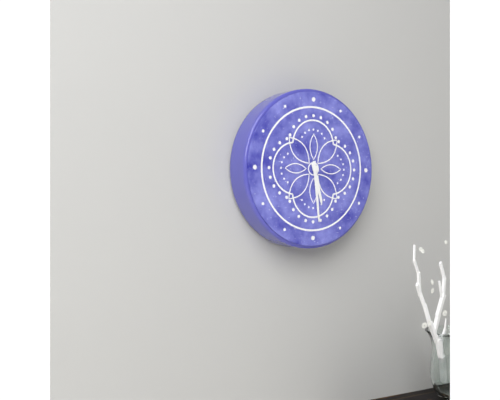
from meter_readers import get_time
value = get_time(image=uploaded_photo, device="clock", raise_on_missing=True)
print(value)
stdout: 5:29
